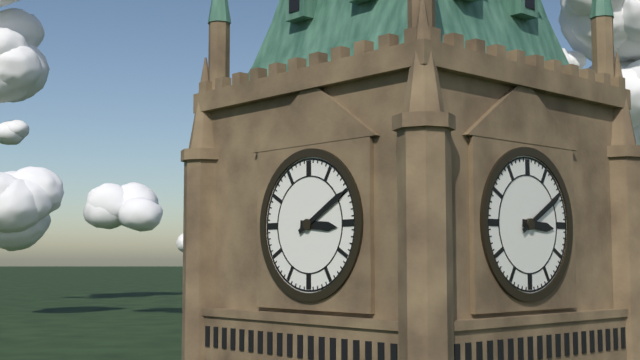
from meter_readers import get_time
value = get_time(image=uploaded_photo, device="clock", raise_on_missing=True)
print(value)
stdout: 3:10
